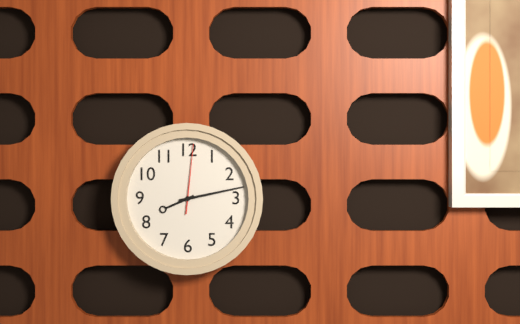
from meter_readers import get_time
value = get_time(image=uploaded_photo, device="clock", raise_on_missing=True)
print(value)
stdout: 8:13:01
